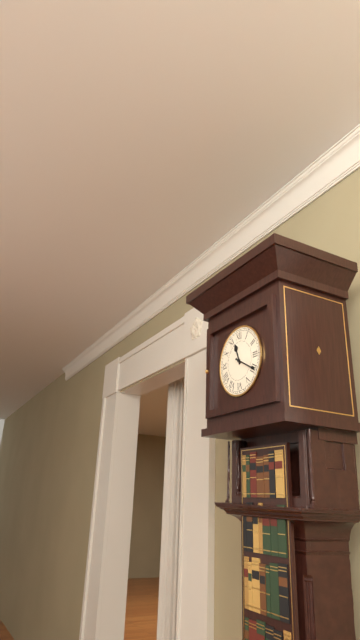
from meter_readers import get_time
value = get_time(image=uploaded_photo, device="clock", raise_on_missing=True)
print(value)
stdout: 11:20
